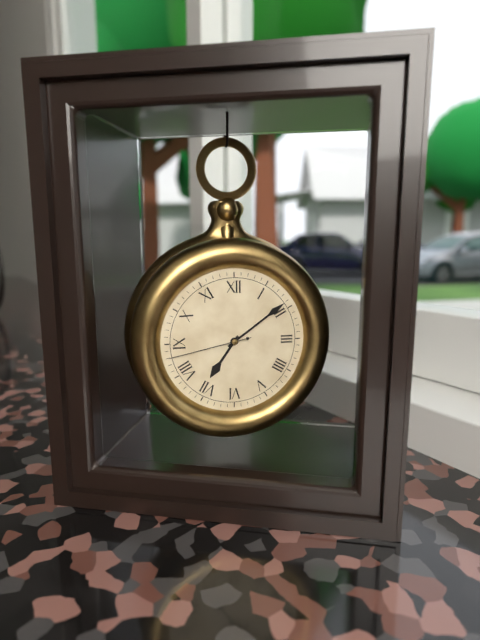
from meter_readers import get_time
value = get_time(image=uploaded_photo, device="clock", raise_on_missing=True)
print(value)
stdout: 7:09:43
